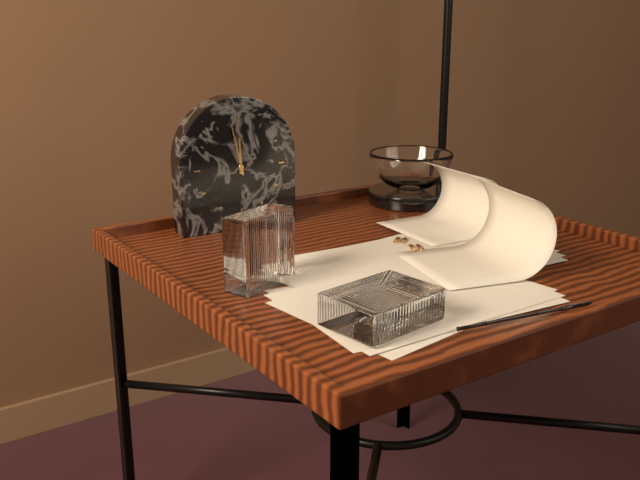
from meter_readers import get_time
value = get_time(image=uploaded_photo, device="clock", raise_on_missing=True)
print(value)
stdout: 11:58
